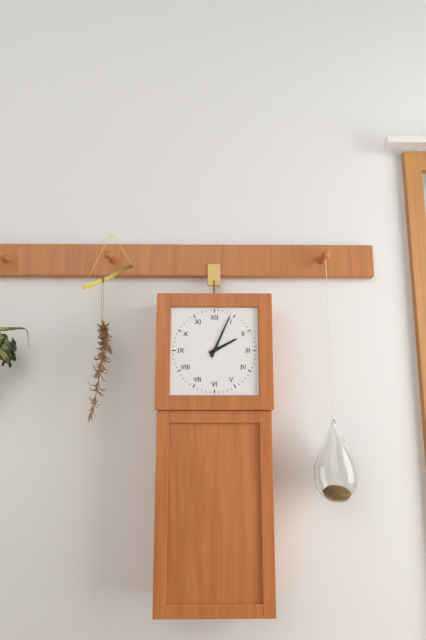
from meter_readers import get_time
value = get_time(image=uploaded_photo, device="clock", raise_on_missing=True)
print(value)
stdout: 2:04
